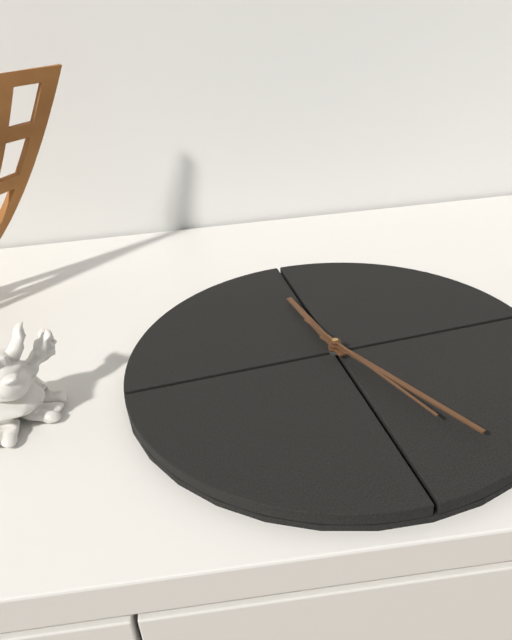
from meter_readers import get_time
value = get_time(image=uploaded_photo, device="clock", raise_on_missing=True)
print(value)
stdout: 12:30:31
